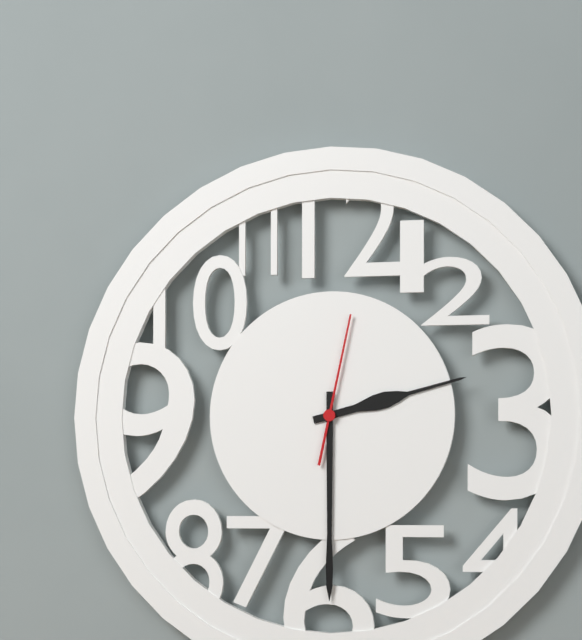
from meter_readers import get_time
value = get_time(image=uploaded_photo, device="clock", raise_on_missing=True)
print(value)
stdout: 2:30:02
